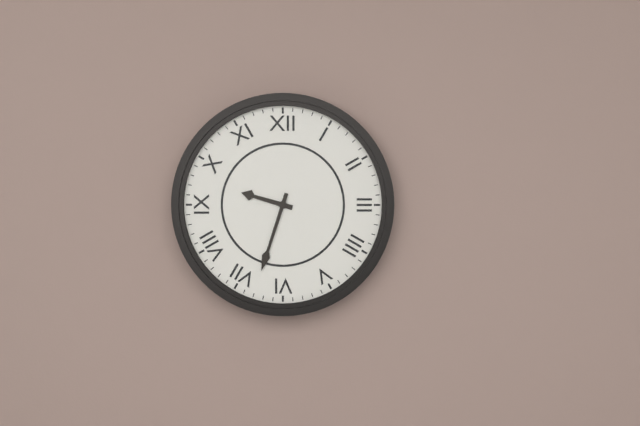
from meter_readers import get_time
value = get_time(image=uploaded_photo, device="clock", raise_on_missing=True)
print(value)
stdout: 9:33
